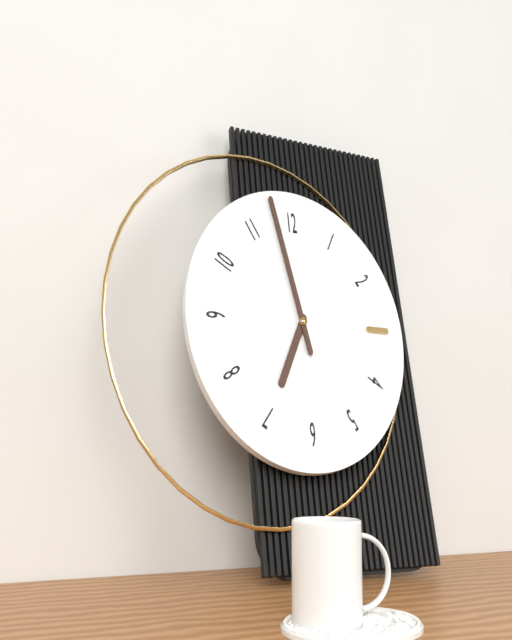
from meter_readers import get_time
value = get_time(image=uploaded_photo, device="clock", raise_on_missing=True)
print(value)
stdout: 6:58
